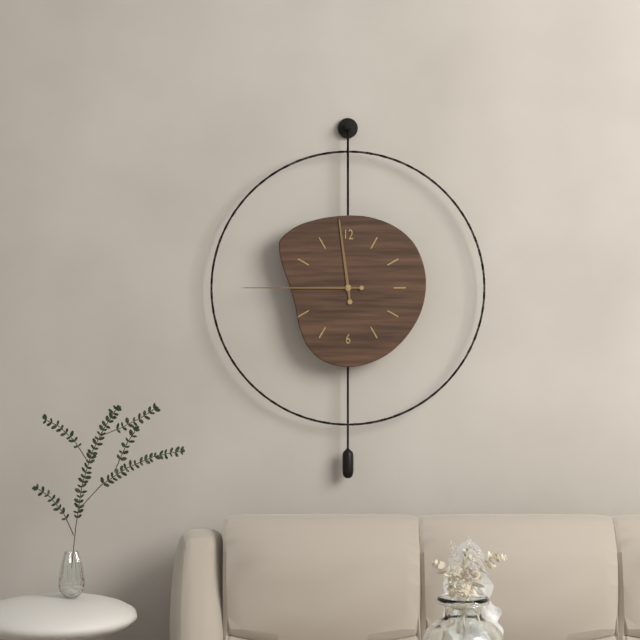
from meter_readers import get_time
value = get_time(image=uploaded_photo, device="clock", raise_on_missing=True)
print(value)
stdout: 11:45
